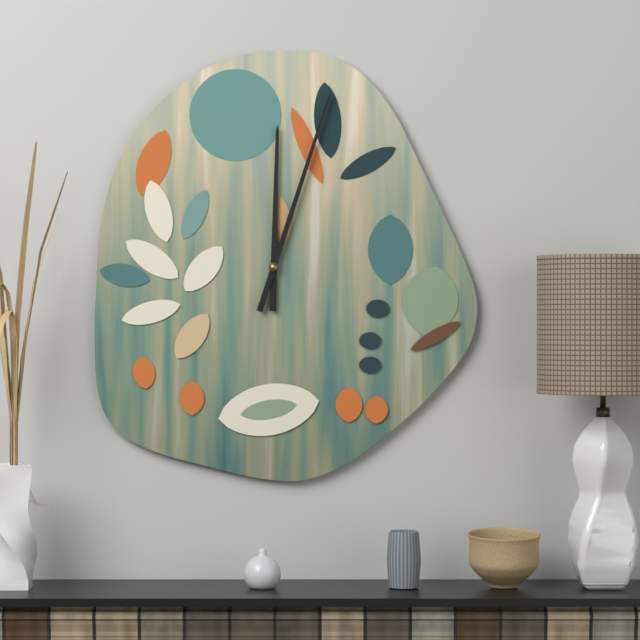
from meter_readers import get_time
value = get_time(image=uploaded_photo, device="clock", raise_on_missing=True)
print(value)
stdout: 12:03
